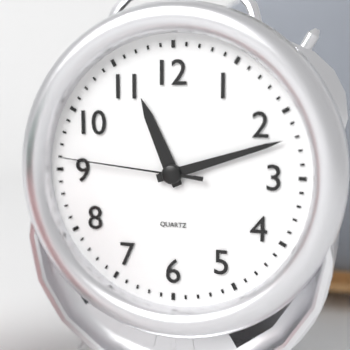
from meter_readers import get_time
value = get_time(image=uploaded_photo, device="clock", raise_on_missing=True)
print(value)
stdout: 11:12:46
